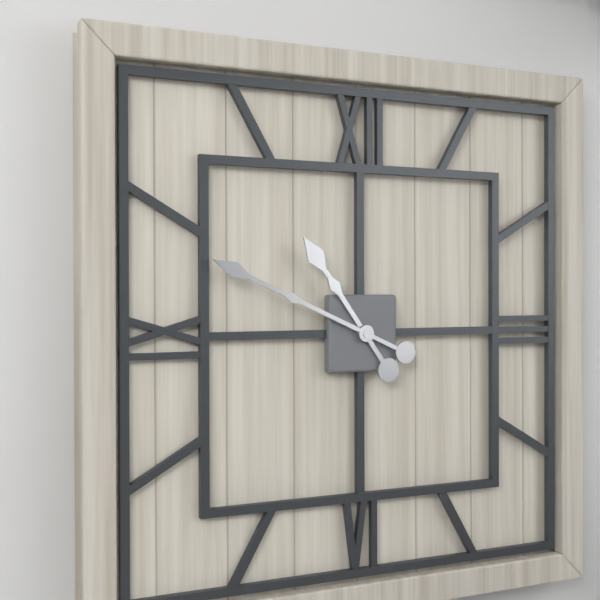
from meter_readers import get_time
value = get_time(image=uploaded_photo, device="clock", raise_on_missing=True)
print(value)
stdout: 10:49
